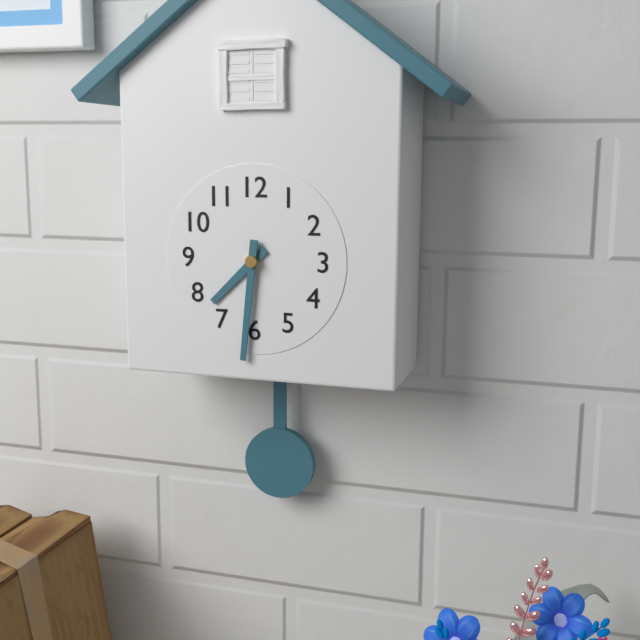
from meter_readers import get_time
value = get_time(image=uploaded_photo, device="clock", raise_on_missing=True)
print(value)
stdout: 7:31
